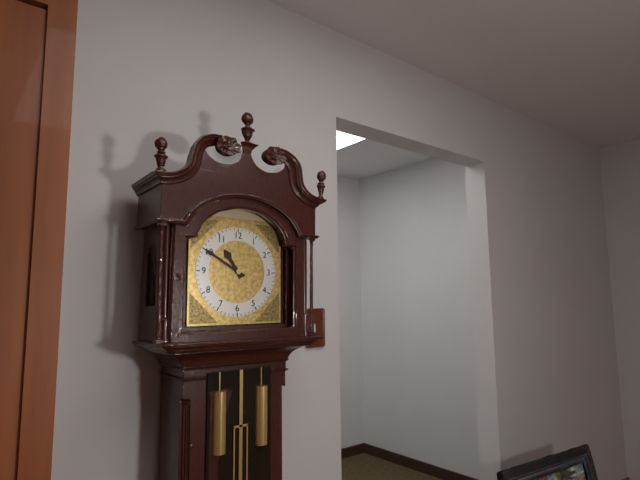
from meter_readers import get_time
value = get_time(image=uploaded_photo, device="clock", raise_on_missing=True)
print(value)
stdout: 10:50
